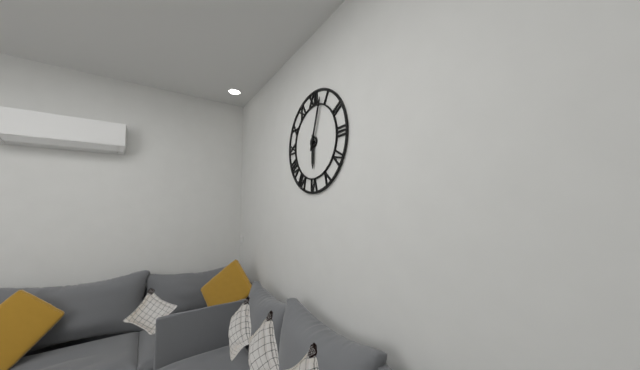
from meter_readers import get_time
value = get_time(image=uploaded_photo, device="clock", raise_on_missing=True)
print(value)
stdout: 6:03
